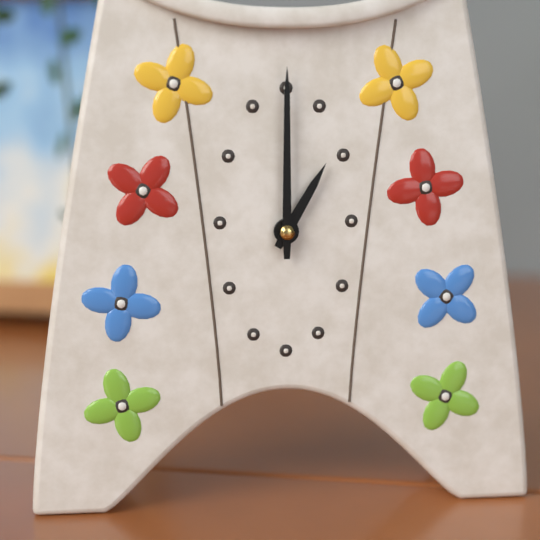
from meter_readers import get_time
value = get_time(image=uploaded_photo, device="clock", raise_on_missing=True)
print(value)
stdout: 1:00
